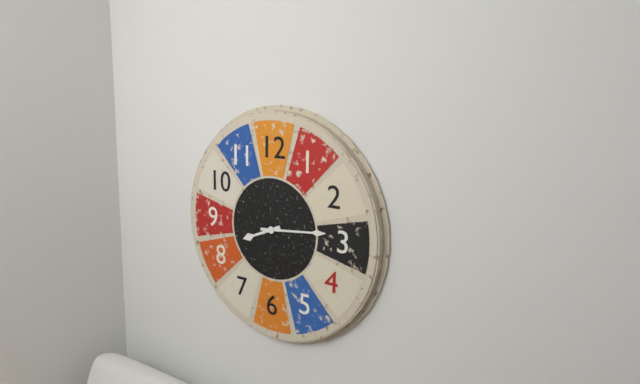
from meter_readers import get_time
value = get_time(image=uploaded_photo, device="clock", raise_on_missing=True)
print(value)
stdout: 8:14
